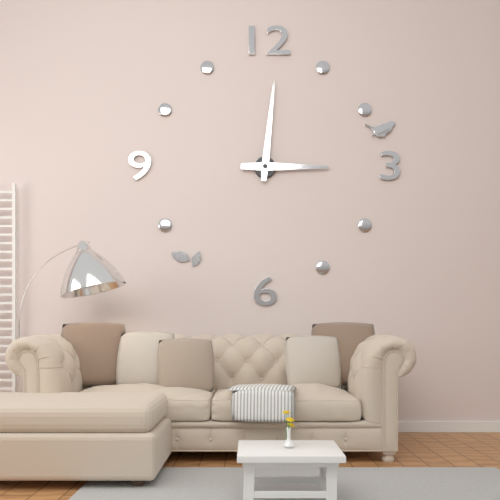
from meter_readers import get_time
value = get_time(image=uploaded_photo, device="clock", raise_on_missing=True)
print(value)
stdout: 3:01
